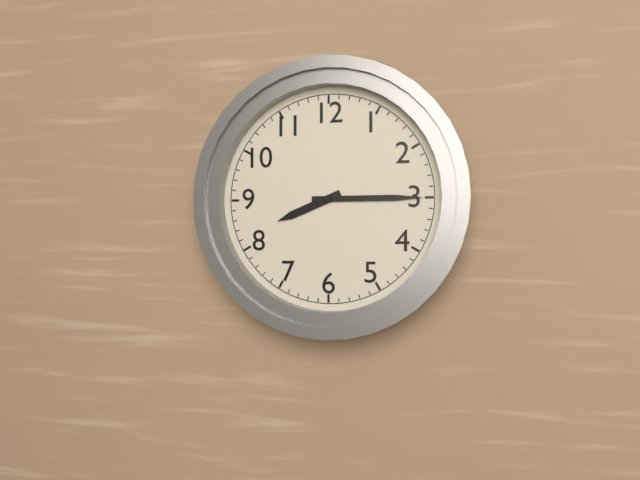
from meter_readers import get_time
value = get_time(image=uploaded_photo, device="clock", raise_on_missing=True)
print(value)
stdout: 8:15
